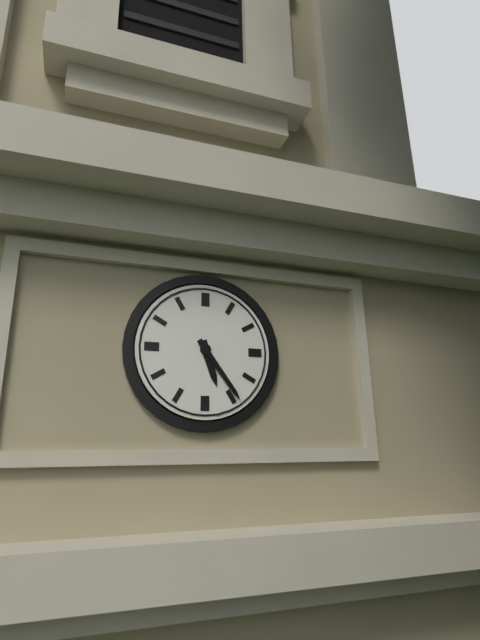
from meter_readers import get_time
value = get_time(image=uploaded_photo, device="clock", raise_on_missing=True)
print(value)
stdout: 5:24
